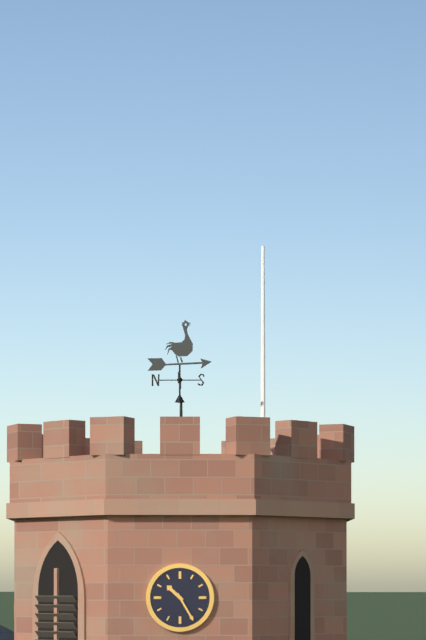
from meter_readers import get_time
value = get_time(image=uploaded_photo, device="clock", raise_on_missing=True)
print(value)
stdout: 10:25
